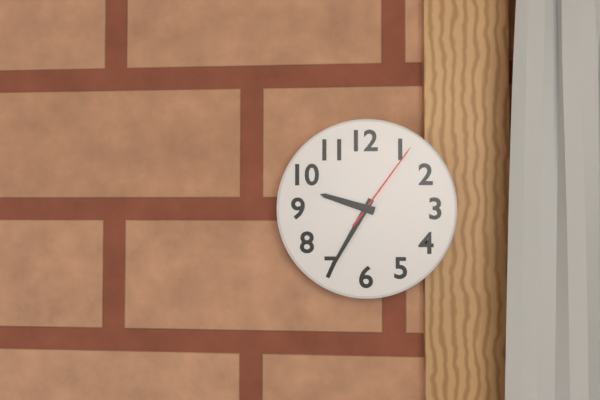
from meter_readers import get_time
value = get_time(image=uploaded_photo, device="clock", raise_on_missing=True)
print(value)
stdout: 9:35:06
